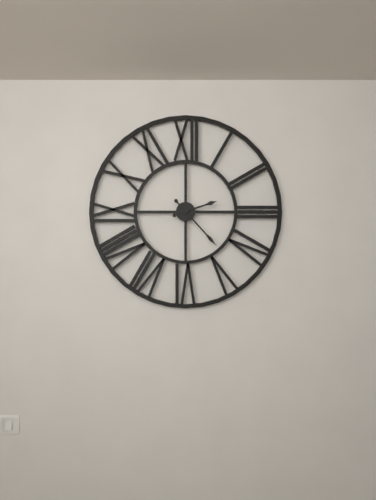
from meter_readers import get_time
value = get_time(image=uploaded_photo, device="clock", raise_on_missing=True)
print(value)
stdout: 2:23
